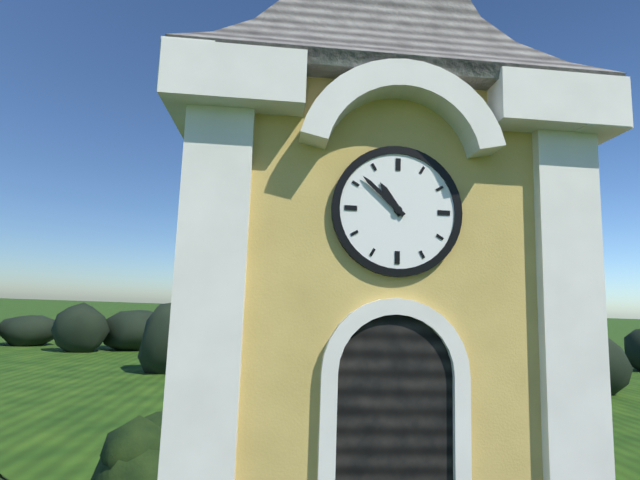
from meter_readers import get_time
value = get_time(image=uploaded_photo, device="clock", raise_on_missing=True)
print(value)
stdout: 10:52
